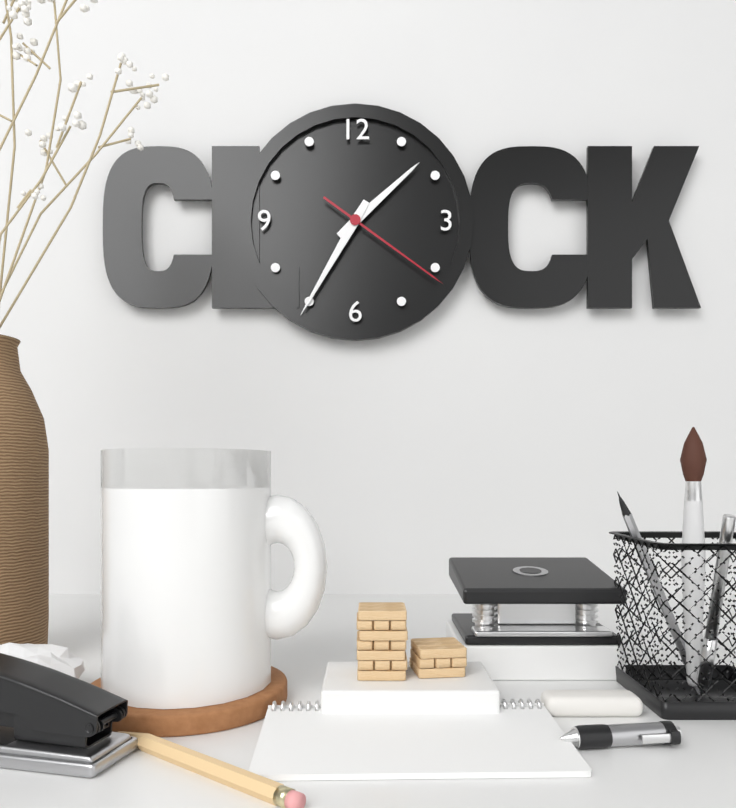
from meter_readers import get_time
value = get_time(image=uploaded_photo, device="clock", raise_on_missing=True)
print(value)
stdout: 1:35:21
